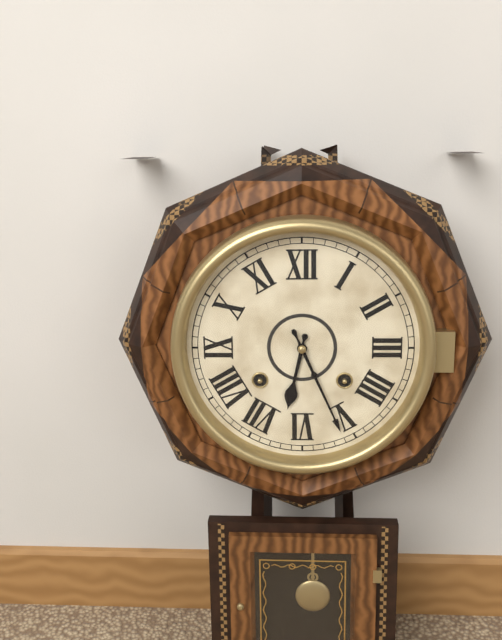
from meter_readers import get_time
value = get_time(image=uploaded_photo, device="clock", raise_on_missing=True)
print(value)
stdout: 6:26
